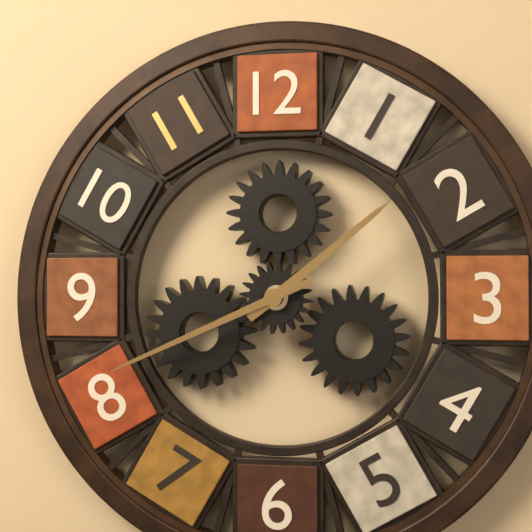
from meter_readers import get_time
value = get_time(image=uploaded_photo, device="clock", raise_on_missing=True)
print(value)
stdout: 1:41
